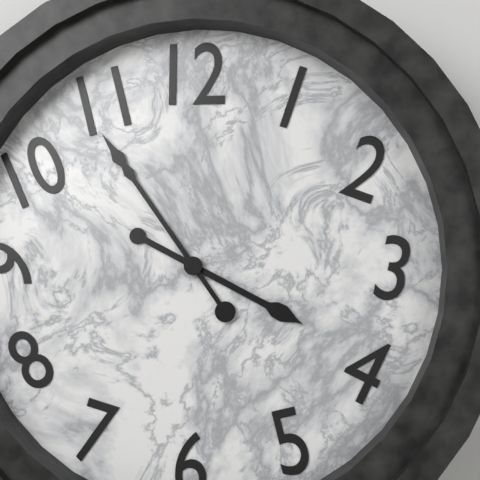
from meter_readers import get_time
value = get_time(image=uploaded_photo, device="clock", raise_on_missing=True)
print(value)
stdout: 3:54
